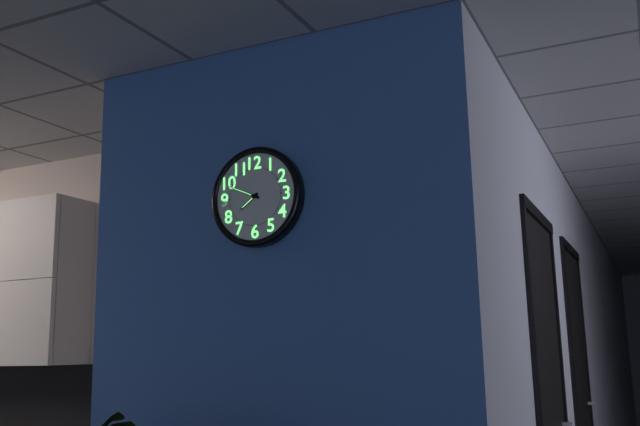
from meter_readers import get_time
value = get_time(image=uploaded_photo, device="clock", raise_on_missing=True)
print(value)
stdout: 7:49
